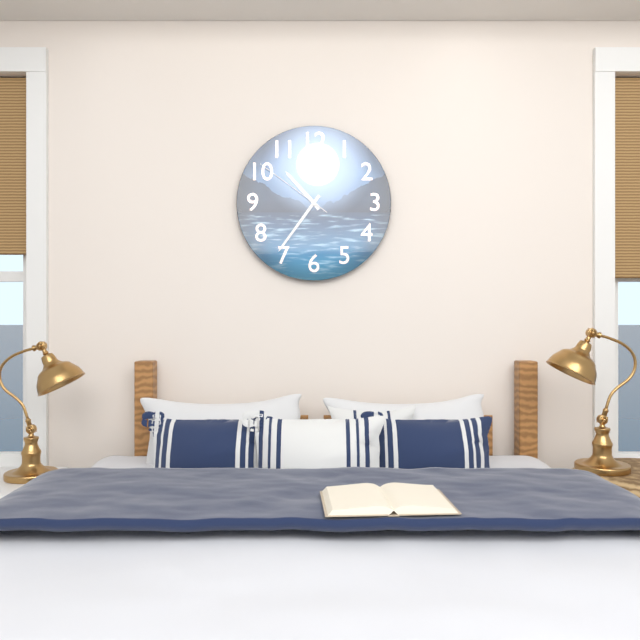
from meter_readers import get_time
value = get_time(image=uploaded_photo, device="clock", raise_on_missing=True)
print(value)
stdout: 10:36:51
